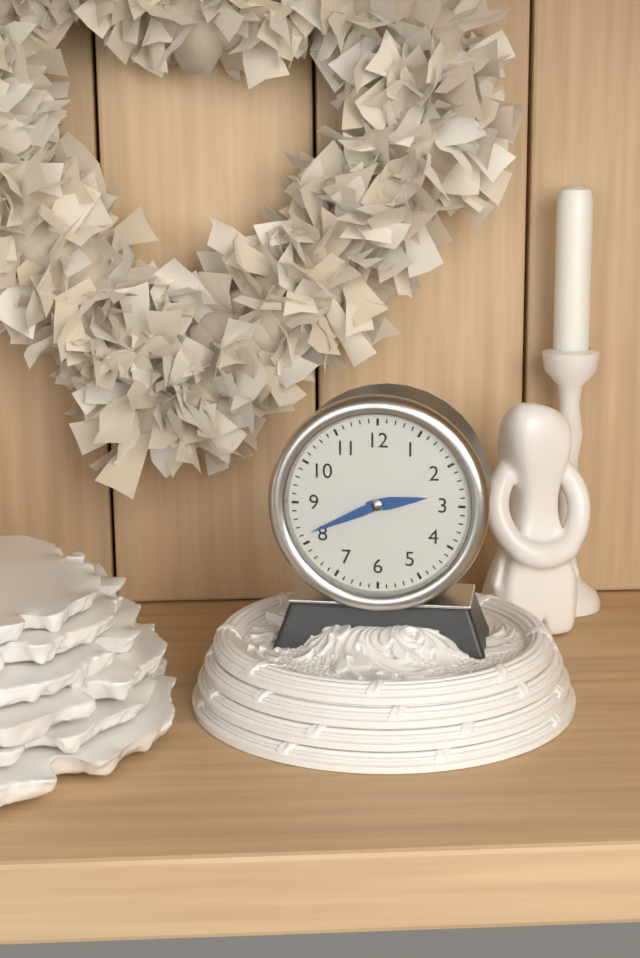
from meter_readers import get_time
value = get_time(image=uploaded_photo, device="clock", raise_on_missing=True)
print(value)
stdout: 2:41
